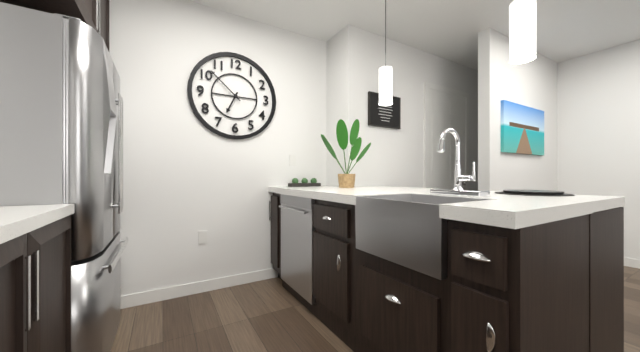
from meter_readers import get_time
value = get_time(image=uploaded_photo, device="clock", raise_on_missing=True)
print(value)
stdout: 6:52
